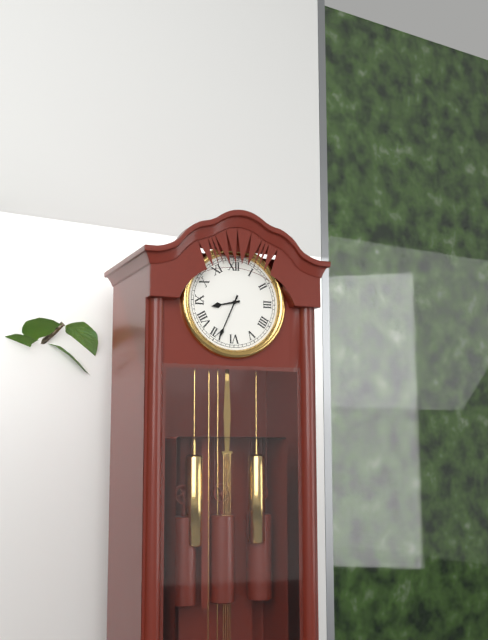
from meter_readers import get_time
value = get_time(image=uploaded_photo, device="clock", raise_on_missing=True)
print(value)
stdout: 8:34
